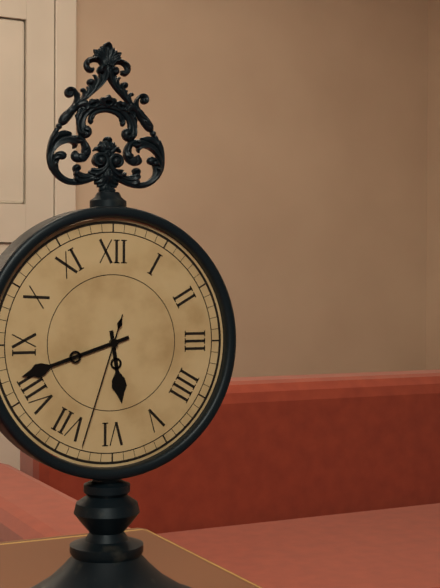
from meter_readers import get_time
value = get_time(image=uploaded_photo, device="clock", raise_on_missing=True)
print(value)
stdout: 5:42:33
